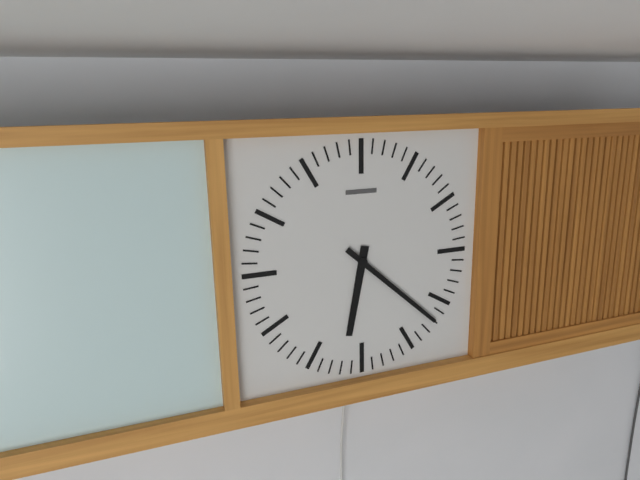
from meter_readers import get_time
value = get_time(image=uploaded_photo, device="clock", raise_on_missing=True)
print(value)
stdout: 6:22
